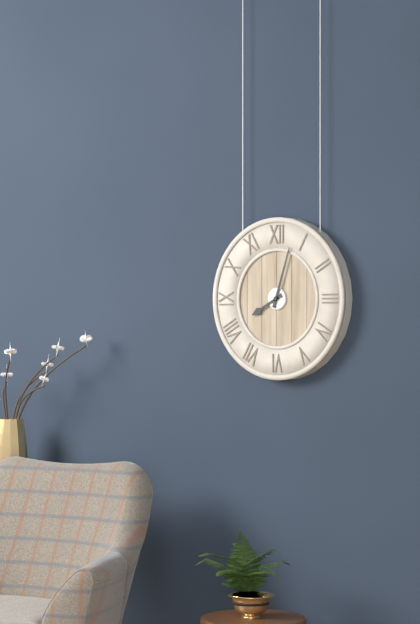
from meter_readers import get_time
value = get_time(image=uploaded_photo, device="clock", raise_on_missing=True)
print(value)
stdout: 8:03
